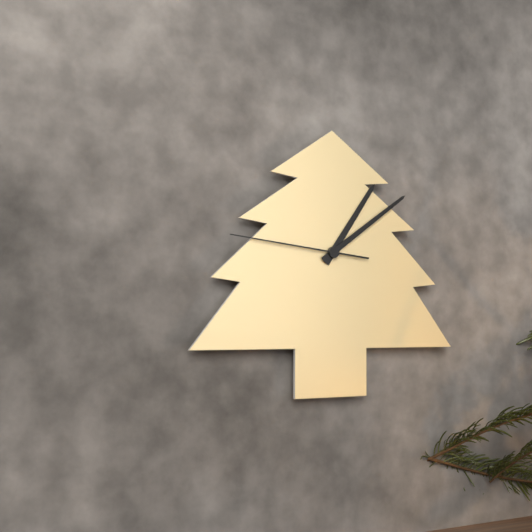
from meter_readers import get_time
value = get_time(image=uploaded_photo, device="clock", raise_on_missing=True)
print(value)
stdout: 1:09:46
